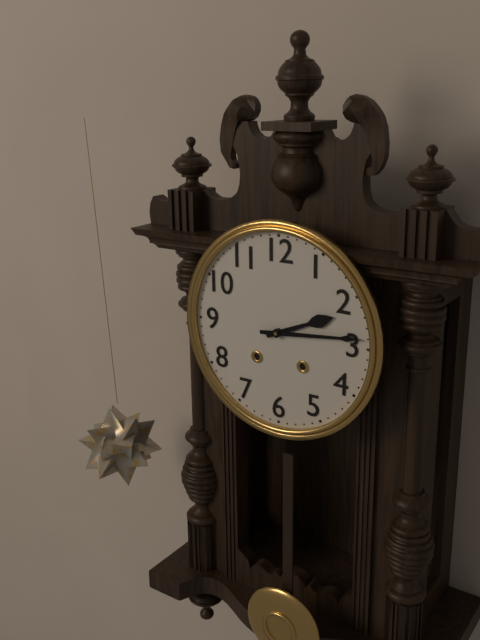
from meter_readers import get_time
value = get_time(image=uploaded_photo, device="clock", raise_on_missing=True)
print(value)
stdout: 2:14
